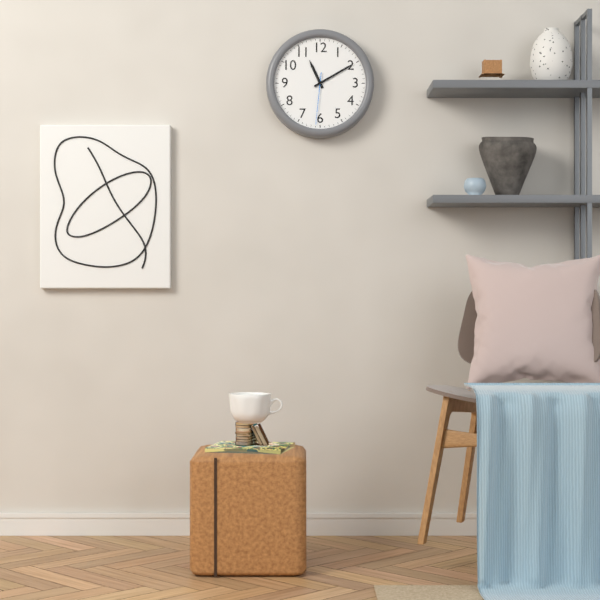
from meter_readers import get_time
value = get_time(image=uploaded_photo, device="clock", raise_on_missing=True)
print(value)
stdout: 11:10:31
